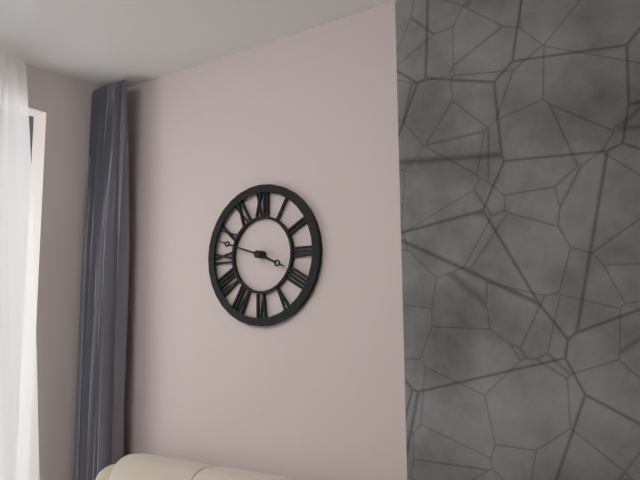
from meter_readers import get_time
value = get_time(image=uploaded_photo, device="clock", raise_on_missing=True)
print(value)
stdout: 3:48
